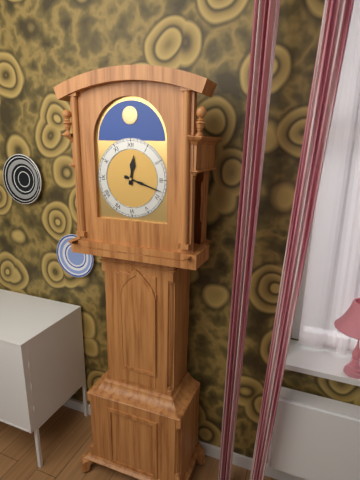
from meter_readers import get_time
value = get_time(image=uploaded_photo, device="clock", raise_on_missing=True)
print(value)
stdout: 12:18
